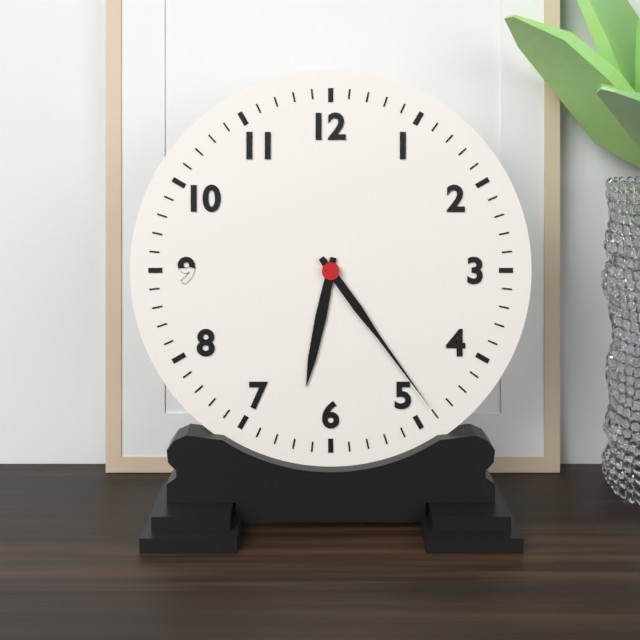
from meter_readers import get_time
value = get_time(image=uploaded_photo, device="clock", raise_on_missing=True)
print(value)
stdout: 6:24
